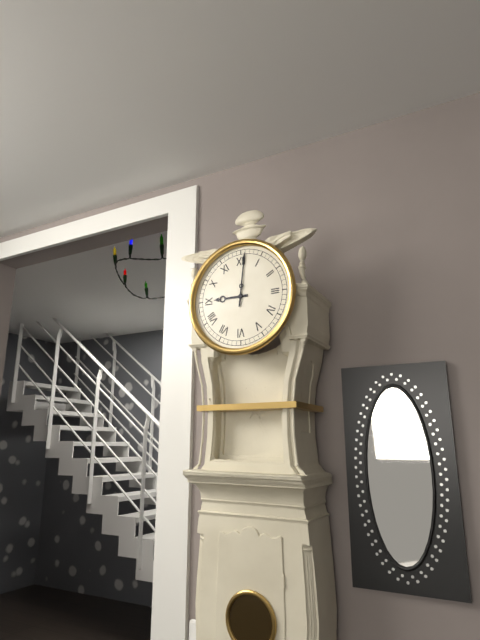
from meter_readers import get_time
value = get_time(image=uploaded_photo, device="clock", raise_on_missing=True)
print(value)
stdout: 9:01
